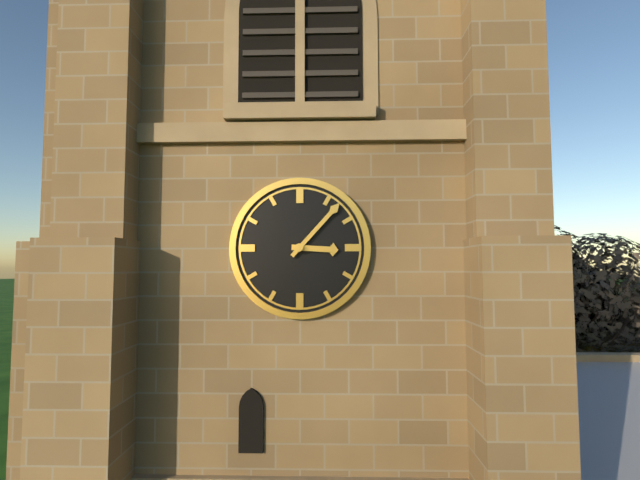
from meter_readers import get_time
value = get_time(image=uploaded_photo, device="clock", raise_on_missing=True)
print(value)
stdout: 3:07
